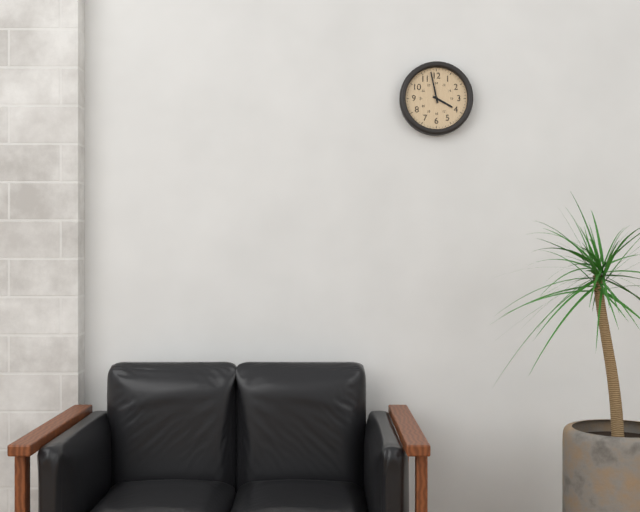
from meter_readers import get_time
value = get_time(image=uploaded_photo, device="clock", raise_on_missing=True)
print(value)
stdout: 3:58
